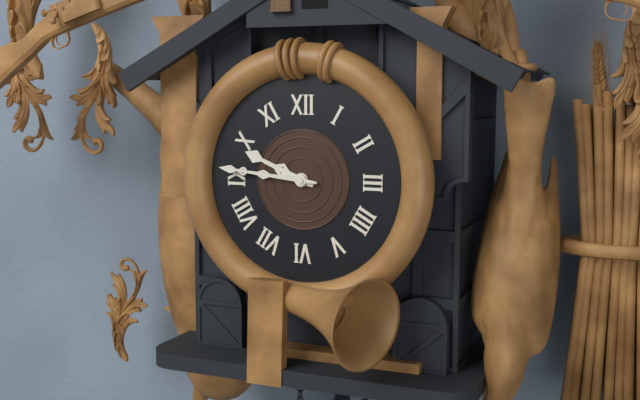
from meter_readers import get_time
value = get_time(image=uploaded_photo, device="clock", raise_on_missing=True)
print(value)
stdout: 9:46
